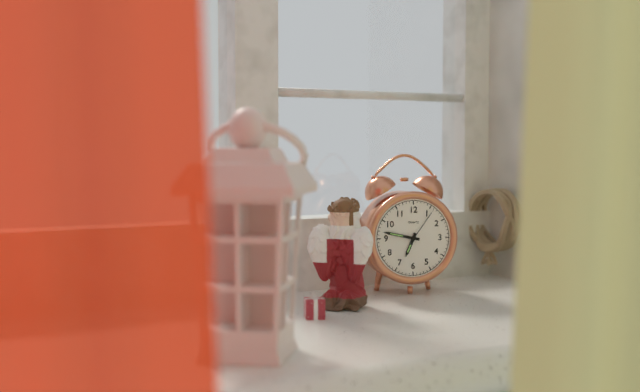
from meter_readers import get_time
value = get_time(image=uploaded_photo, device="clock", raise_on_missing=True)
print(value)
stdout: 6:47
